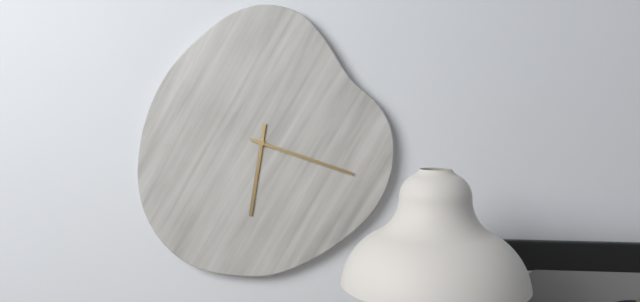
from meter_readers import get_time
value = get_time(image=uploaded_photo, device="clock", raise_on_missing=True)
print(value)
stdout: 6:18
